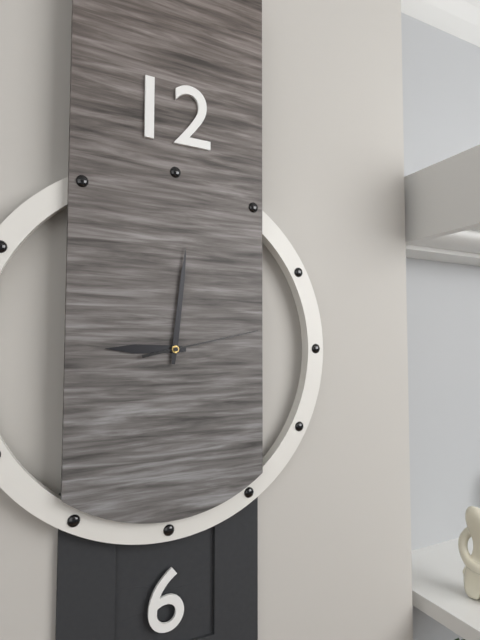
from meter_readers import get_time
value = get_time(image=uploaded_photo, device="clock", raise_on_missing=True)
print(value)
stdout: 9:01:13
